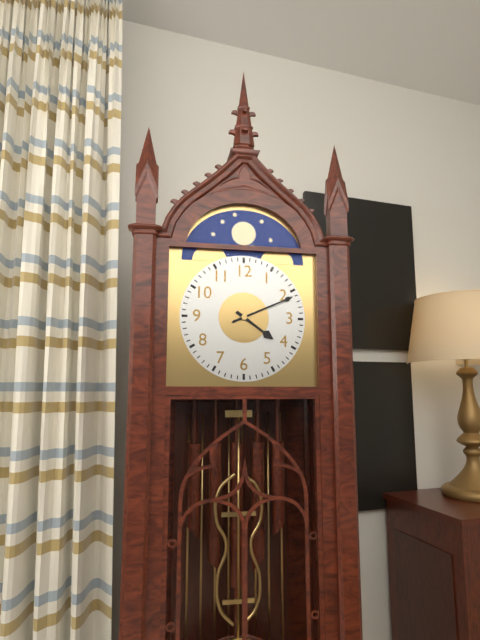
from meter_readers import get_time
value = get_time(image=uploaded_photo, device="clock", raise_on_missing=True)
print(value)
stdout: 4:11
